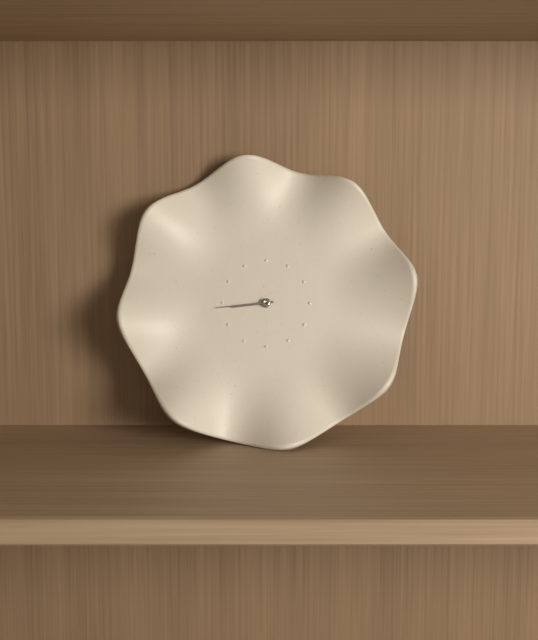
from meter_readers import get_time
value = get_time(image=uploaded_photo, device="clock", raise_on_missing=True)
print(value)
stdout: 8:44
